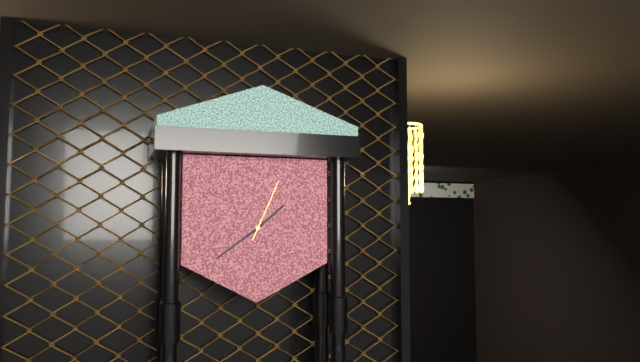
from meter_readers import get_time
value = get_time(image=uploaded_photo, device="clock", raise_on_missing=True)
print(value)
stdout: 1:39:04
